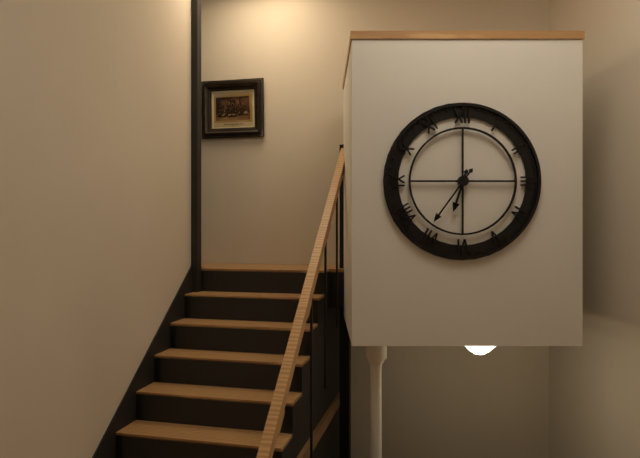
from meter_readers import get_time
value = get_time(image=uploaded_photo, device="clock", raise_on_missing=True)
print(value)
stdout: 6:36
